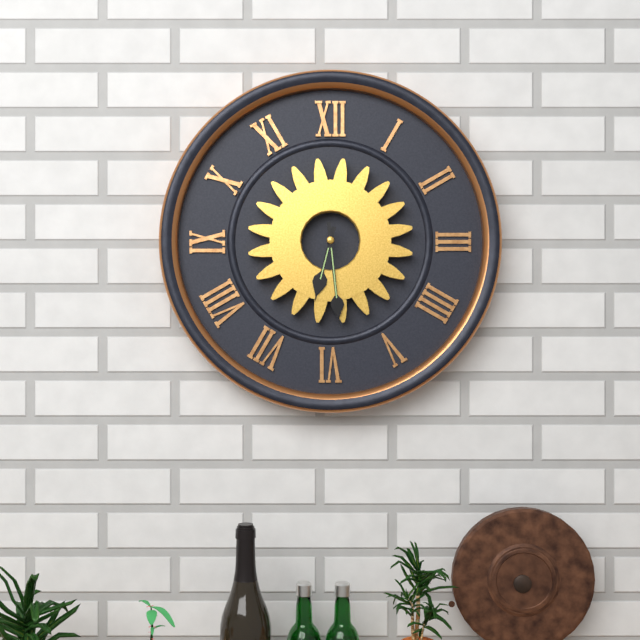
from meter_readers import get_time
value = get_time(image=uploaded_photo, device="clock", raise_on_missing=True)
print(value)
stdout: 6:29
